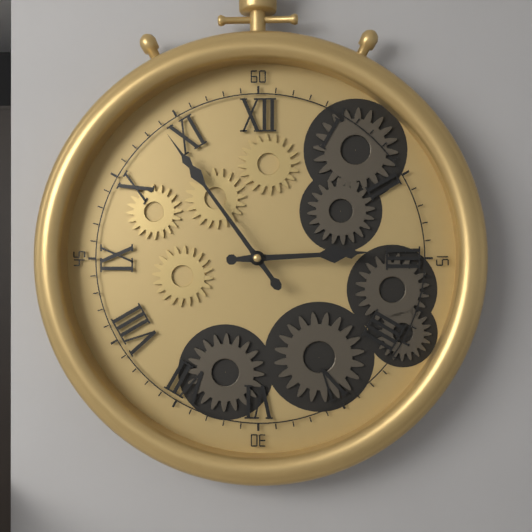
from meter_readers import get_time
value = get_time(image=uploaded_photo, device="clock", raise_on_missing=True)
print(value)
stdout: 2:54
